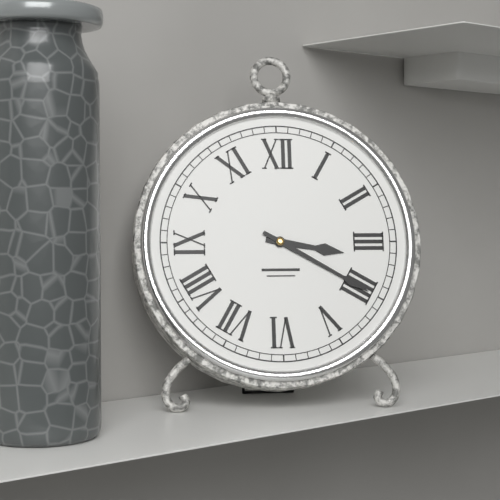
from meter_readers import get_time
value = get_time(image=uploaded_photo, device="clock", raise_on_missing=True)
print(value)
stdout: 3:20
